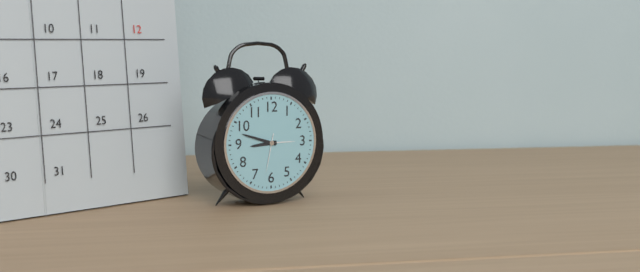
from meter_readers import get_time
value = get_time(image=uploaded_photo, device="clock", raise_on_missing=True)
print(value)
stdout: 8:48
